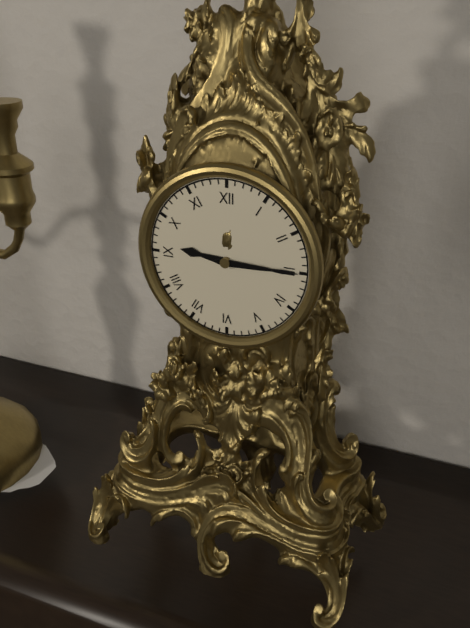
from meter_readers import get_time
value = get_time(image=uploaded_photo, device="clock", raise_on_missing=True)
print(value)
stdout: 9:15
